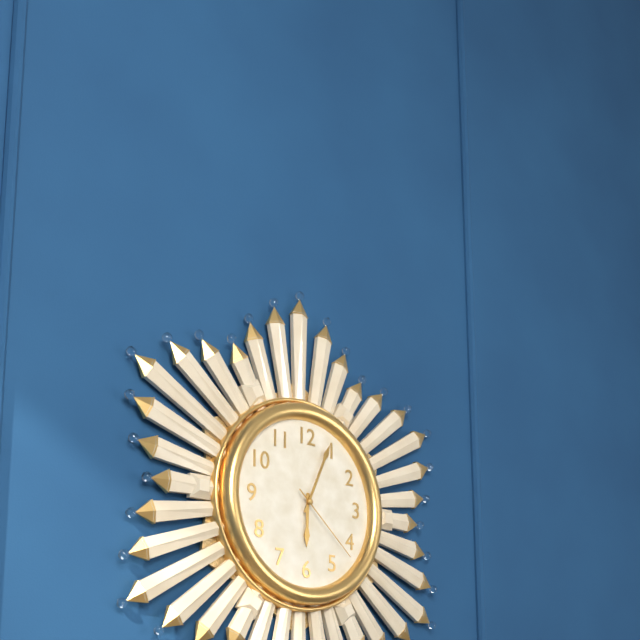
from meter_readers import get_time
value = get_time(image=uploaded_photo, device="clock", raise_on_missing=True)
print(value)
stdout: 6:04:22
